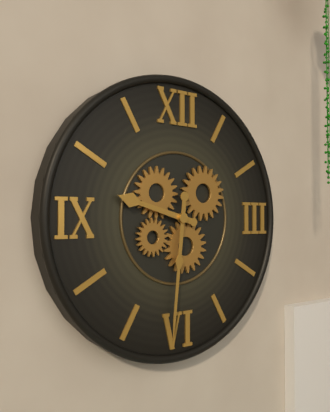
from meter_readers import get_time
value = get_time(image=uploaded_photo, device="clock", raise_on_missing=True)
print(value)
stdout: 9:31
